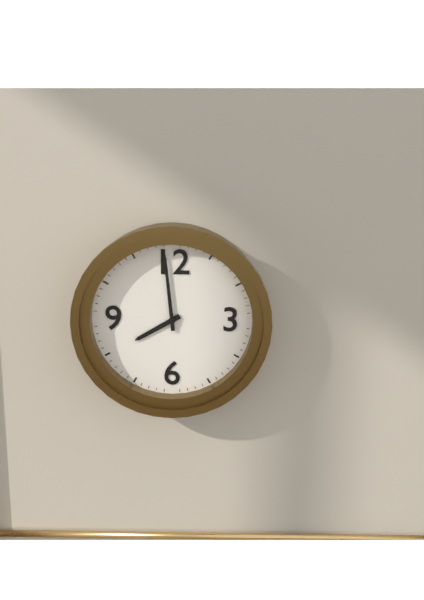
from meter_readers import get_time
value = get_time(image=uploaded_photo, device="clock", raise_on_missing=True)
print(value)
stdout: 7:59
